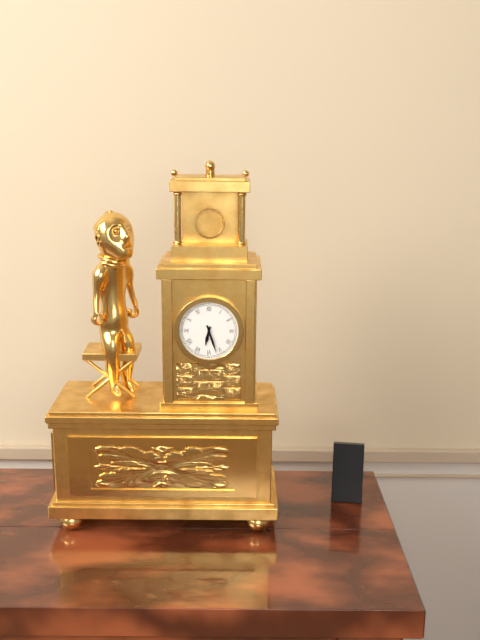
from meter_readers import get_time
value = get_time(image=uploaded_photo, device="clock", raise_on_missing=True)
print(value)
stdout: 6:27
